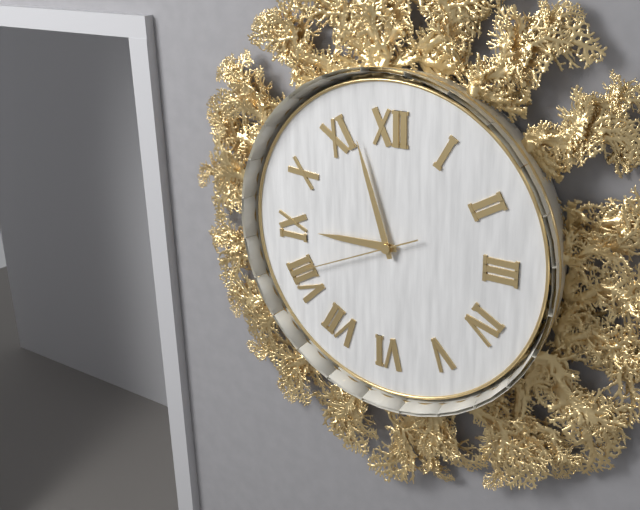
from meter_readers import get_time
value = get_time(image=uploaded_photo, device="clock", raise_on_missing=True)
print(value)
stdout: 8:57:41
